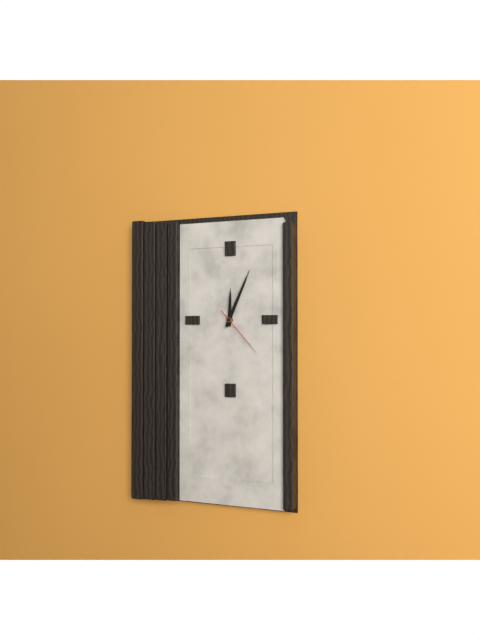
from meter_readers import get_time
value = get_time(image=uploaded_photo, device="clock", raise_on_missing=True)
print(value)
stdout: 12:04:23
